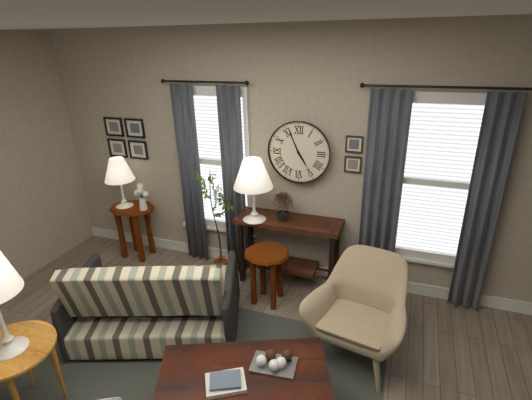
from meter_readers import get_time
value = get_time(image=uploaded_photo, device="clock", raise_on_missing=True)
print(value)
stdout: 4:56
